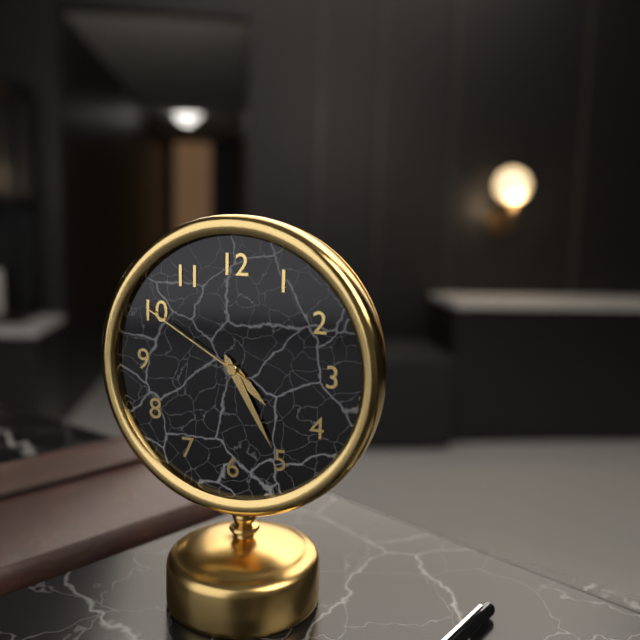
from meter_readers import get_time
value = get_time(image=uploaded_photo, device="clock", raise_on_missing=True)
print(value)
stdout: 4:25:50
